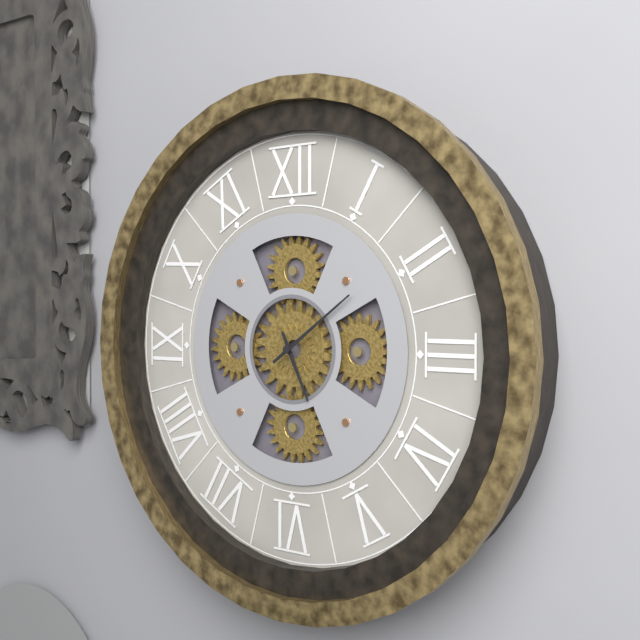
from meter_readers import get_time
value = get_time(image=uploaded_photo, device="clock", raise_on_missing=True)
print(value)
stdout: 5:09
